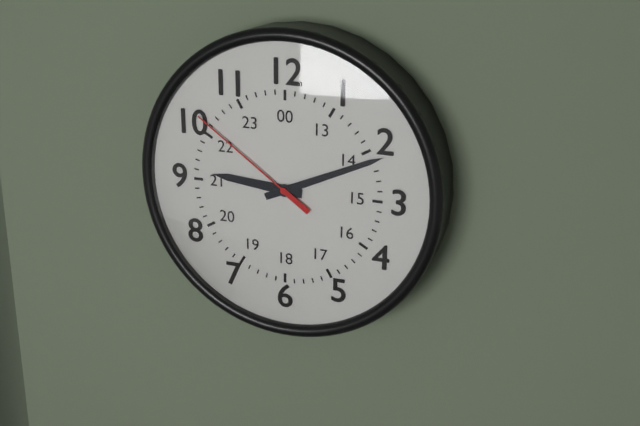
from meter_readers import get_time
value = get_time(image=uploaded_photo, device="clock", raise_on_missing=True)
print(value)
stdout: 9:11:51
